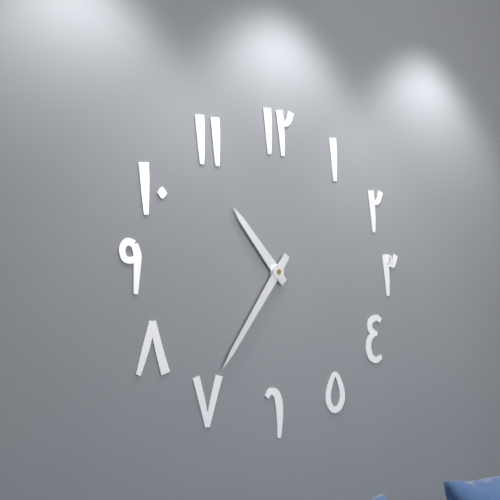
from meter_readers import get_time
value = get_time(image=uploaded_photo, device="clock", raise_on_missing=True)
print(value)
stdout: 10:36
